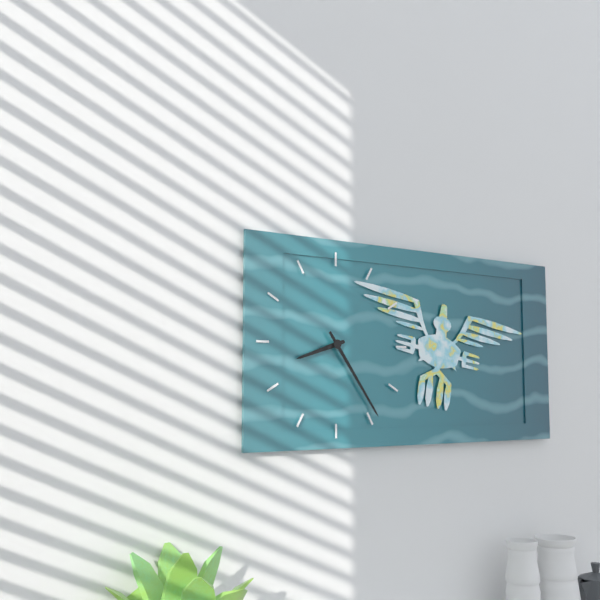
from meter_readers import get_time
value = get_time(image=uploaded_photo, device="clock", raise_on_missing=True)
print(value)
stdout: 8:24
